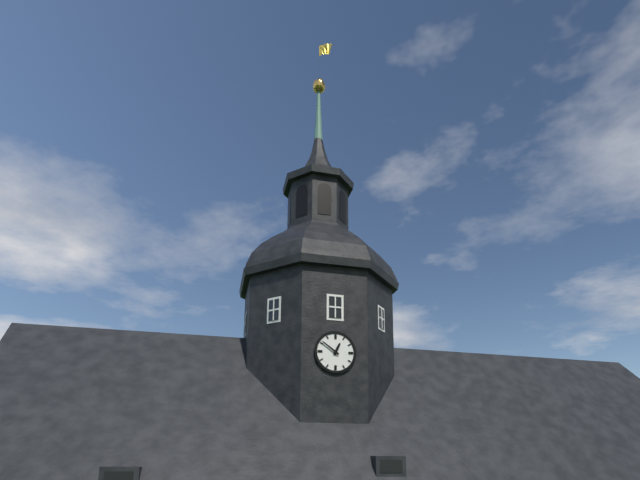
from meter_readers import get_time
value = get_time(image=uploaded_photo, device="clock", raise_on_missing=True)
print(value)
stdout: 12:51
